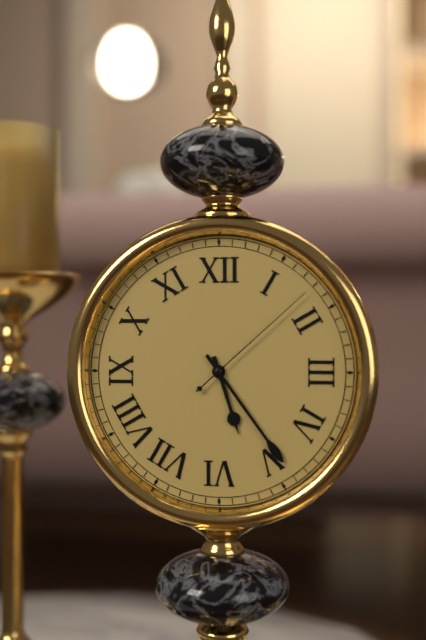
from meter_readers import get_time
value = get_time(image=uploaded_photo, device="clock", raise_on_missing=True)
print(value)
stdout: 5:24:08
